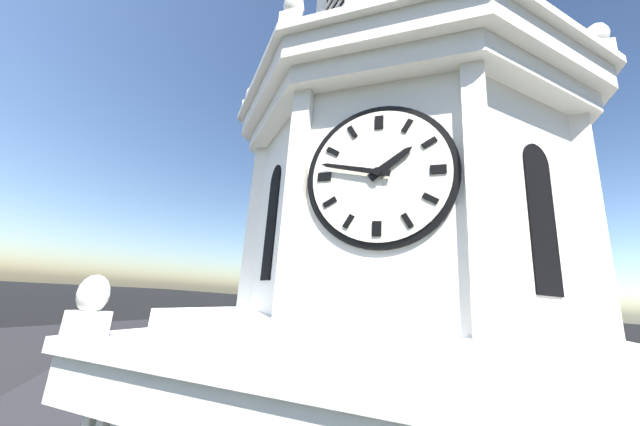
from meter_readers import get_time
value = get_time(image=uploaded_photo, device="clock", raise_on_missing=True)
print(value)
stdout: 1:47
